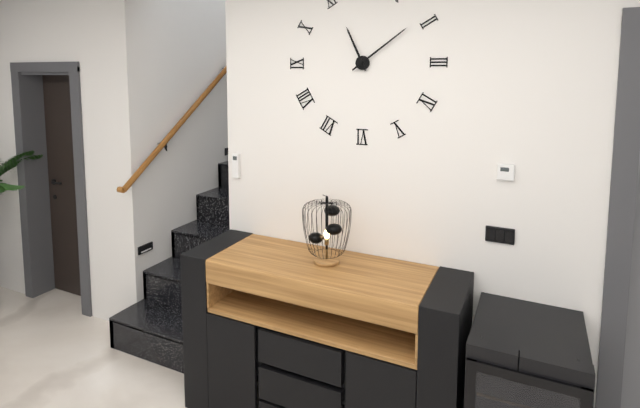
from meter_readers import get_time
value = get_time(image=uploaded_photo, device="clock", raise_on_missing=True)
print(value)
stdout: 11:09
